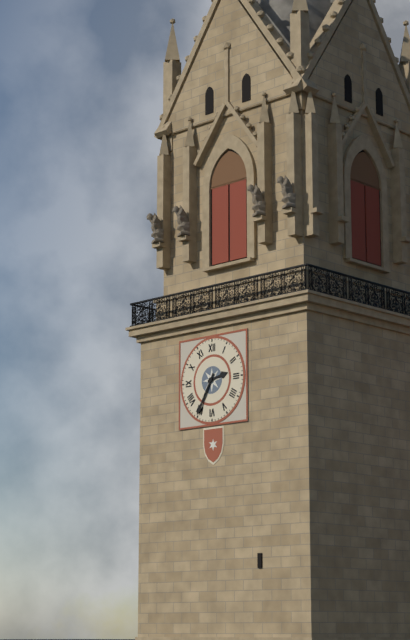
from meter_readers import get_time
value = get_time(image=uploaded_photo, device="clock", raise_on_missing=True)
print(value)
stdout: 2:35
